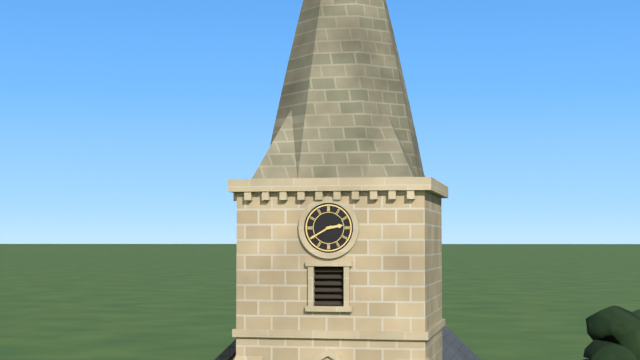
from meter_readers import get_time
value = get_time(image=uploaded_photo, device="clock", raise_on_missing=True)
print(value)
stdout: 2:40
